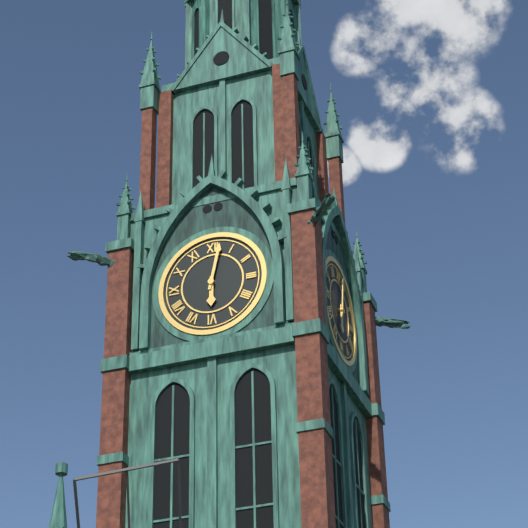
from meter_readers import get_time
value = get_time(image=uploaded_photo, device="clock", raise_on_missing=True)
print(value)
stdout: 6:02
